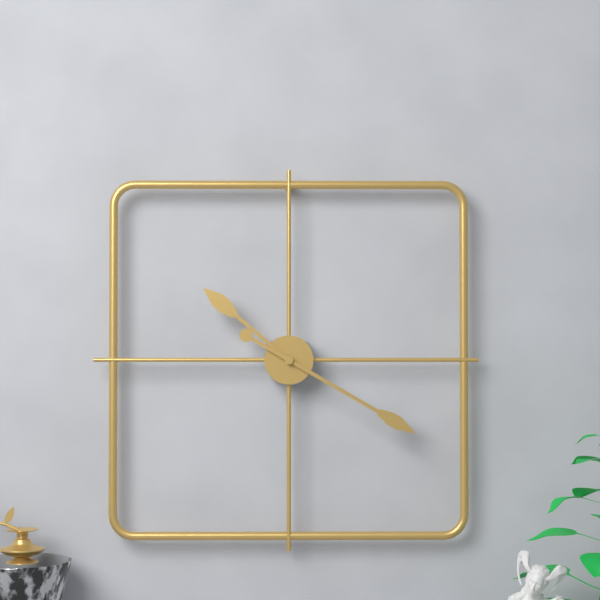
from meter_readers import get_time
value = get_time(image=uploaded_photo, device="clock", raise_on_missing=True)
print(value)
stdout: 10:20
